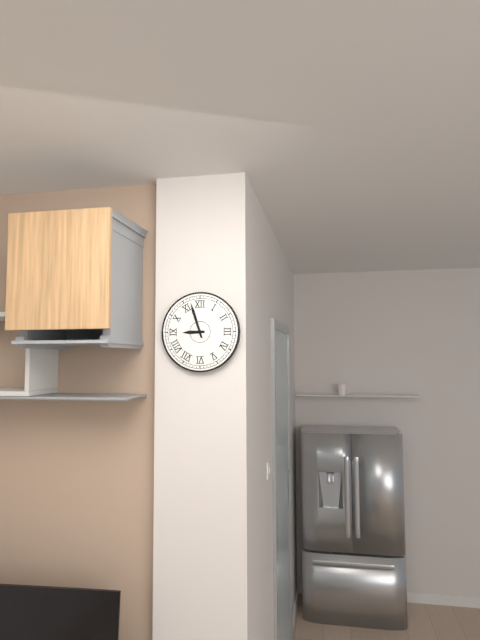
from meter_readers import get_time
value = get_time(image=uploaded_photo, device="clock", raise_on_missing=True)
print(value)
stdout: 8:57
